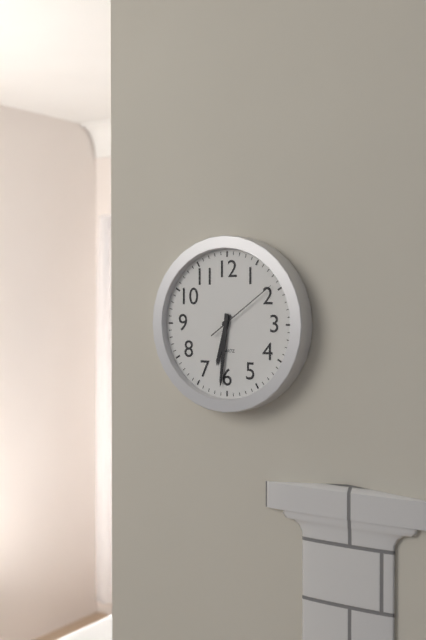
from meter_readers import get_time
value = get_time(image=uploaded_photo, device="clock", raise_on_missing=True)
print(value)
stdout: 6:31:09
